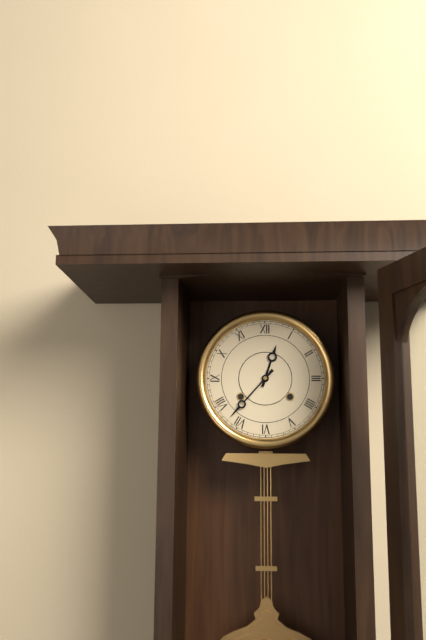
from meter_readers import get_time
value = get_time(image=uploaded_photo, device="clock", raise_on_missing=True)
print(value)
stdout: 12:37
